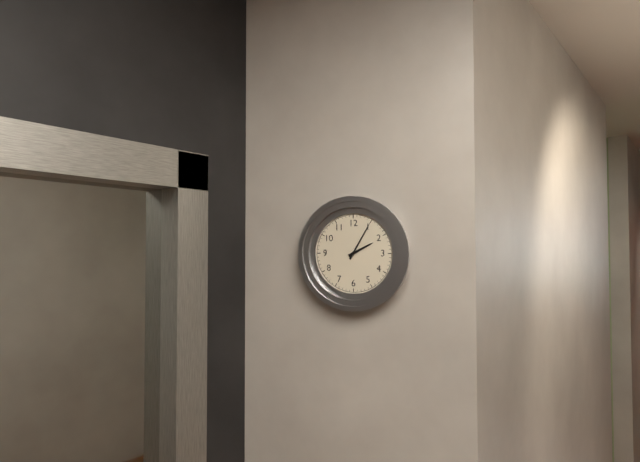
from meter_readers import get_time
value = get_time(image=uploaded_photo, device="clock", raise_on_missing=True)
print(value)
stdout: 2:05
